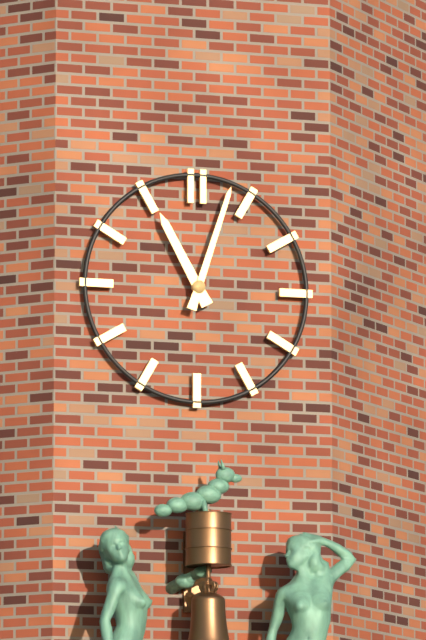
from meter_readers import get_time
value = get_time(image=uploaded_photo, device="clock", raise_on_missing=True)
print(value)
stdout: 11:03
